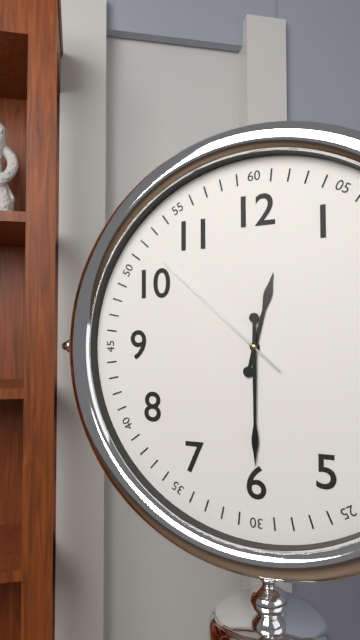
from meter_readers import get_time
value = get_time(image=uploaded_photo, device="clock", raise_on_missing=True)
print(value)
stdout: 12:30:52
